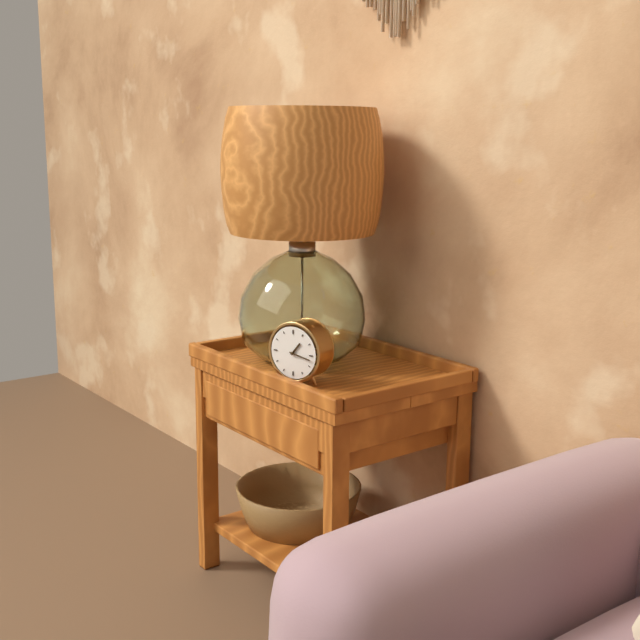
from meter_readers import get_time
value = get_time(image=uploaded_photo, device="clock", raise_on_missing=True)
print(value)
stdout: 1:17
